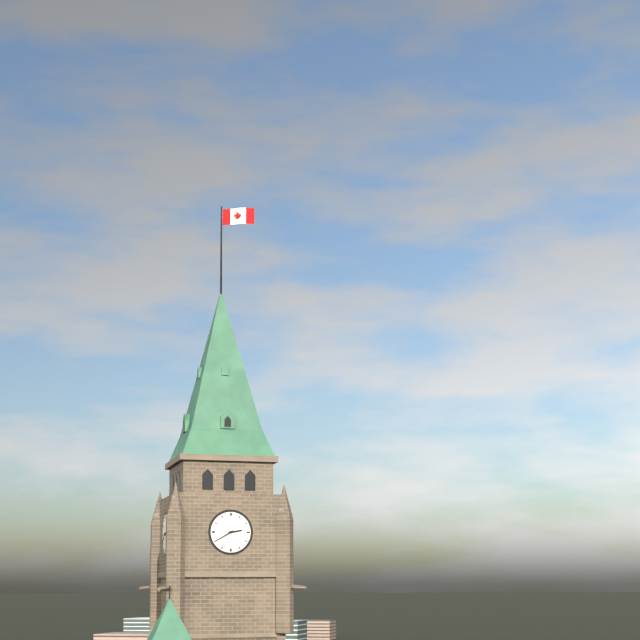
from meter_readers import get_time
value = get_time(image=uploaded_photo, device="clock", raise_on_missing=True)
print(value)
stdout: 2:40
